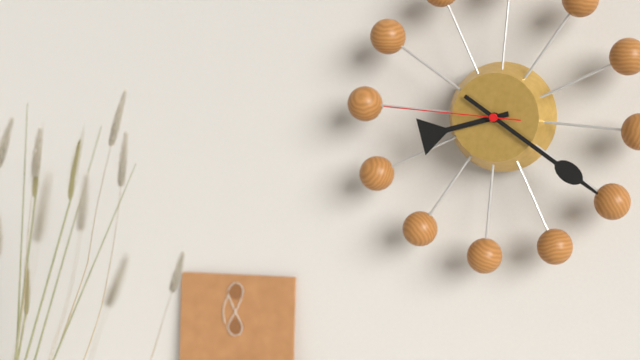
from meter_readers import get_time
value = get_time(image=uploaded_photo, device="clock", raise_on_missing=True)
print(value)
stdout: 8:20:45
